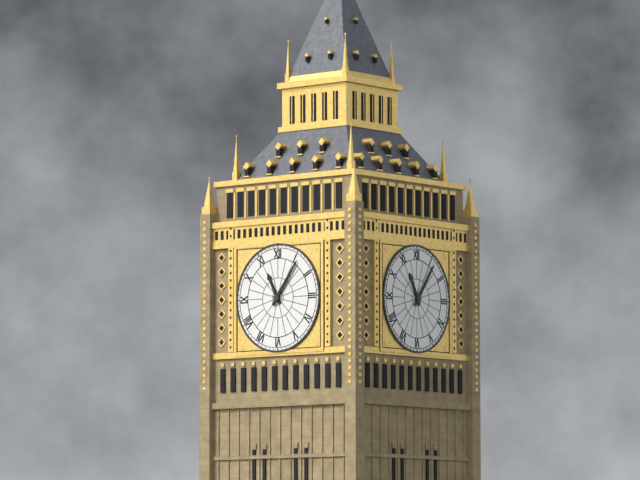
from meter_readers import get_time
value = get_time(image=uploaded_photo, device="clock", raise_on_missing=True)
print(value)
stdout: 11:06
